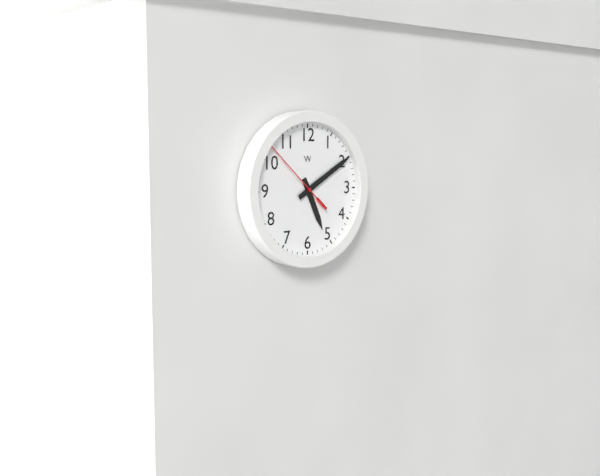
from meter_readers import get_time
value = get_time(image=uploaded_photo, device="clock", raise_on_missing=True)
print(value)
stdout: 5:10:52
